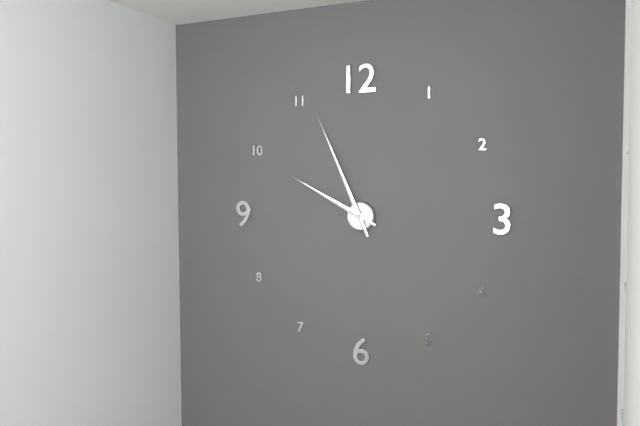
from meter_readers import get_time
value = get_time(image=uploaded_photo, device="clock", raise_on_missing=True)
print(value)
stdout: 9:56
